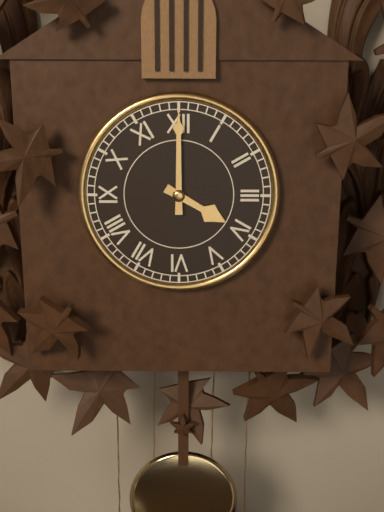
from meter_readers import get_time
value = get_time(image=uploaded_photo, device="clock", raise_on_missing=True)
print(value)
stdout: 4:00
